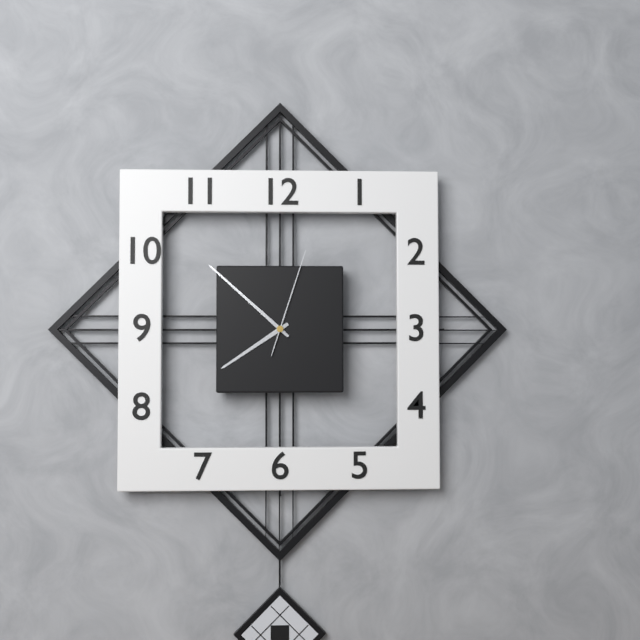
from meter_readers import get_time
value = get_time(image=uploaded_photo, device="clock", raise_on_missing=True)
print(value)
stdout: 7:52:03
